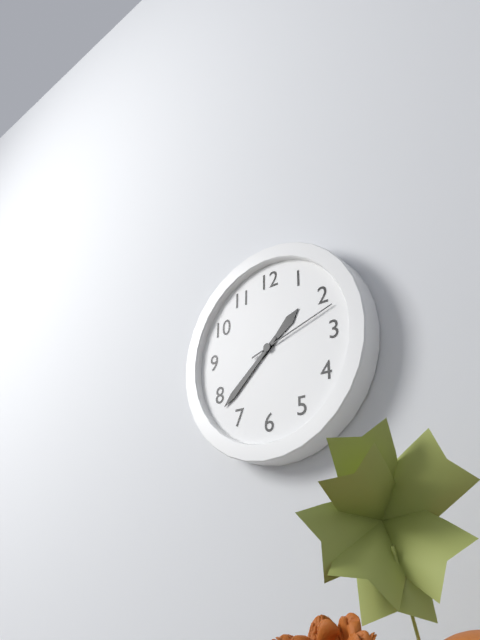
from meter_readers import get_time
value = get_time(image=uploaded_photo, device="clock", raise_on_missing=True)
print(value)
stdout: 1:38:12
